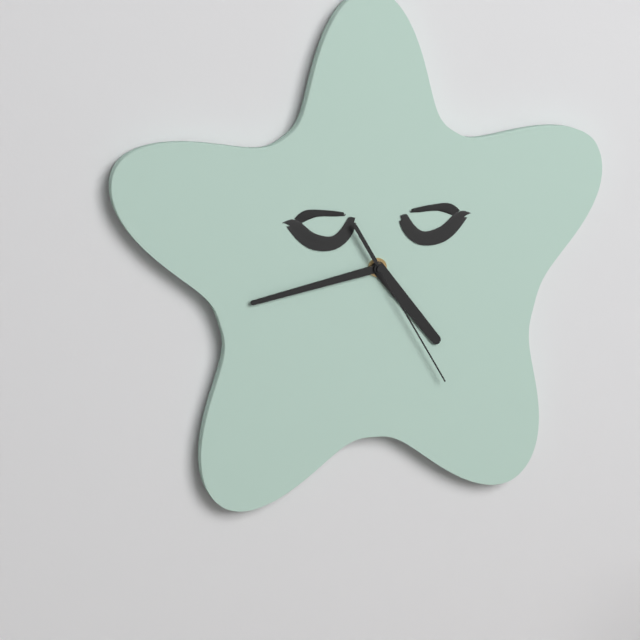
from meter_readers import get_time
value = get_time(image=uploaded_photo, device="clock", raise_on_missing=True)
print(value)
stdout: 4:43:25
